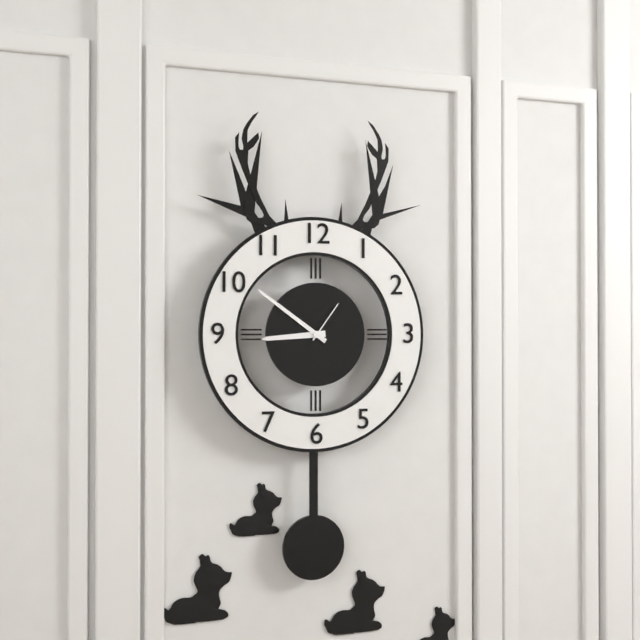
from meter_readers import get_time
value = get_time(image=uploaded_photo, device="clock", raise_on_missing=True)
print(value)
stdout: 8:51
